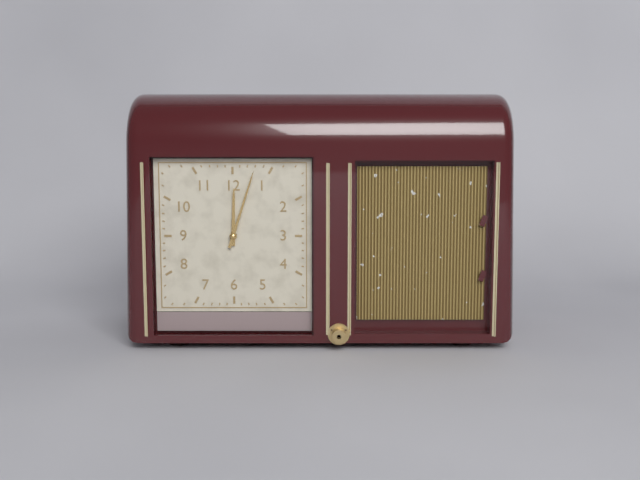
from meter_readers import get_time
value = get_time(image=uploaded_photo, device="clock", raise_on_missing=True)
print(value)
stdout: 12:03
